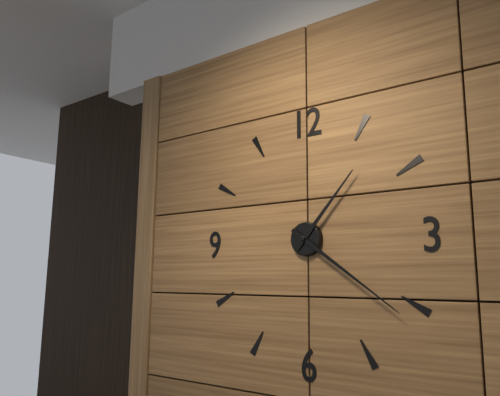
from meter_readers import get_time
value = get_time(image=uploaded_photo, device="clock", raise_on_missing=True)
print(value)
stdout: 1:21
